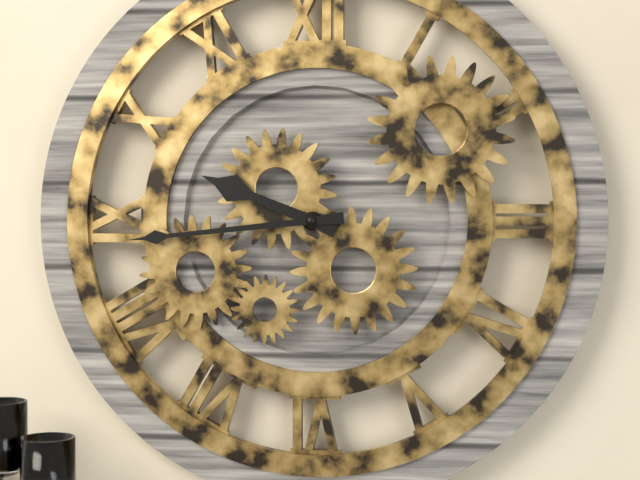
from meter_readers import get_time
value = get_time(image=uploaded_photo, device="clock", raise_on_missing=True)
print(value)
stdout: 9:44
